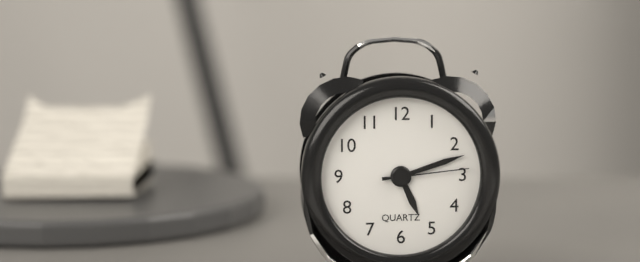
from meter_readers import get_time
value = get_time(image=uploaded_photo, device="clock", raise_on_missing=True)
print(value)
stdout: 5:12:14
